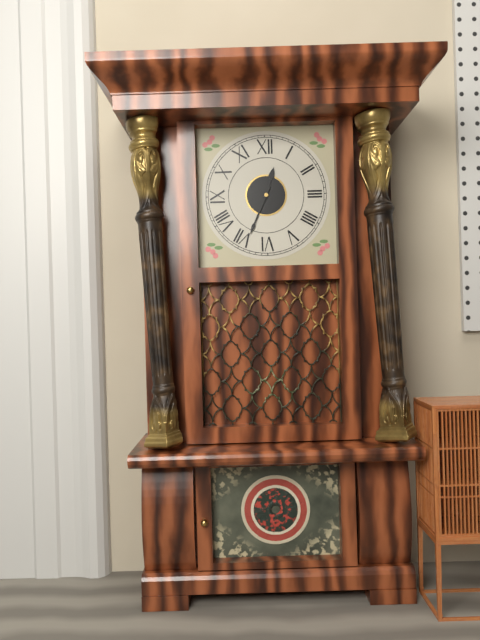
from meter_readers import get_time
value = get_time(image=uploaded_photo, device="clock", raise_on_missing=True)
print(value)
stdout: 12:34
